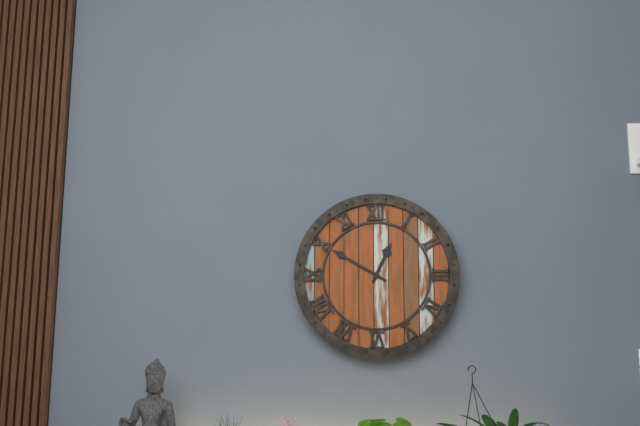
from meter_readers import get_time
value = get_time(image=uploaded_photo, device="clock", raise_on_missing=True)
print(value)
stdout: 12:50
